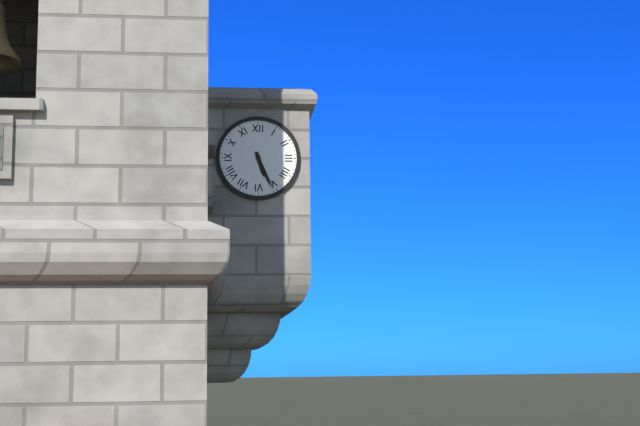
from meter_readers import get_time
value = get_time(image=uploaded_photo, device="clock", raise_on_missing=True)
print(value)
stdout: 5:26
